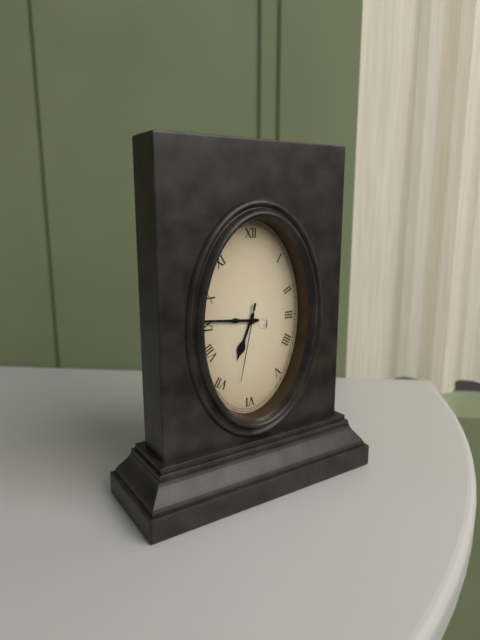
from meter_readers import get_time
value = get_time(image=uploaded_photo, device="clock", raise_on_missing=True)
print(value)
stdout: 6:46:32
